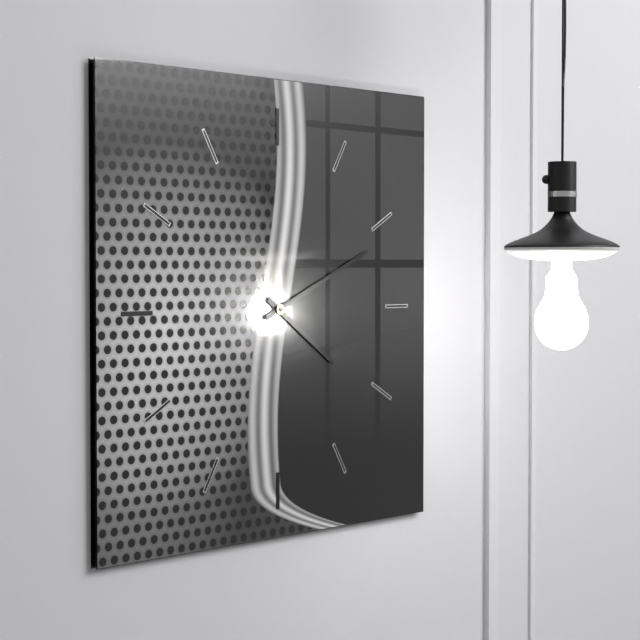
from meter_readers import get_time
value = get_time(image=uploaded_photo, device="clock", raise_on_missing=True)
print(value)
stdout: 4:11
